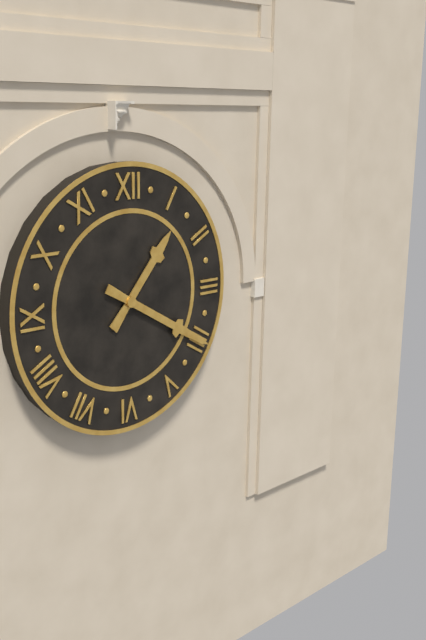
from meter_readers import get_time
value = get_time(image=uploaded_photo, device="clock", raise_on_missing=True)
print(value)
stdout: 1:20
